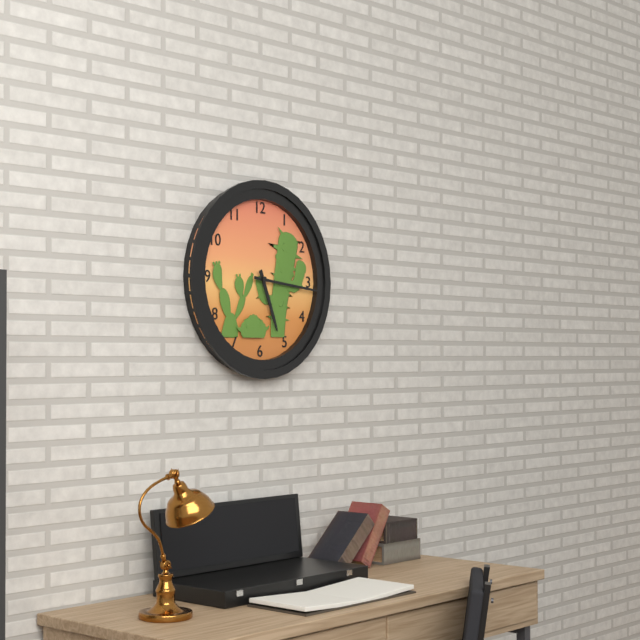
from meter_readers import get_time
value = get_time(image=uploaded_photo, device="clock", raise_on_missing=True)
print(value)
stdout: 5:16
